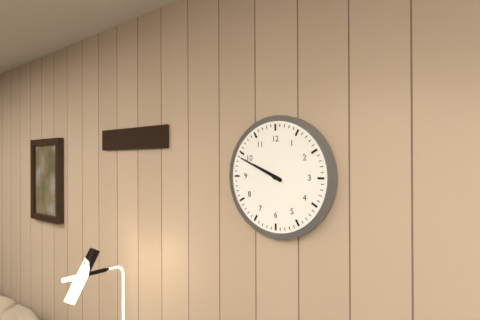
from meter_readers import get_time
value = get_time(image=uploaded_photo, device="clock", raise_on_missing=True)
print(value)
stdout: 9:49
